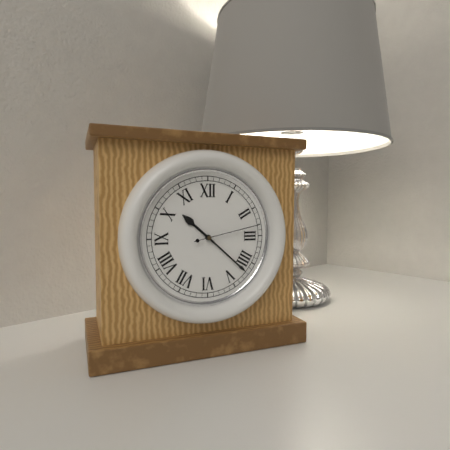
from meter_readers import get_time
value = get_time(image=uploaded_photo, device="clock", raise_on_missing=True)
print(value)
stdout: 10:22:13
